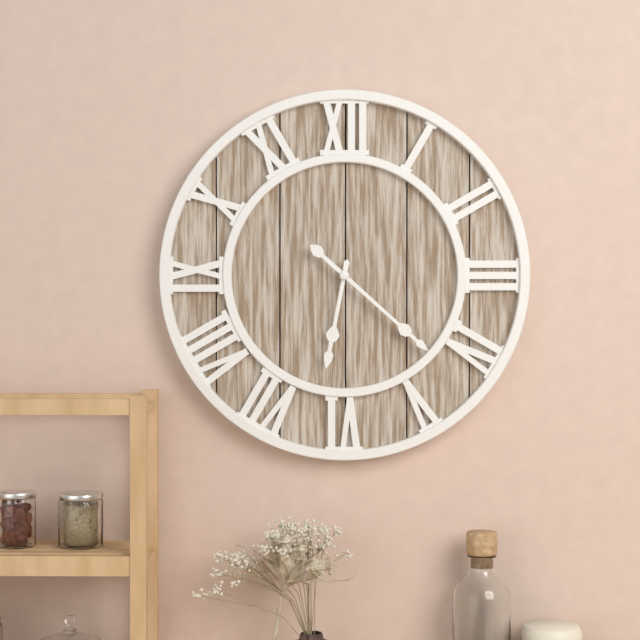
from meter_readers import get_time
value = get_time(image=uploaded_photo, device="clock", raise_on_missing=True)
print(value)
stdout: 6:22
